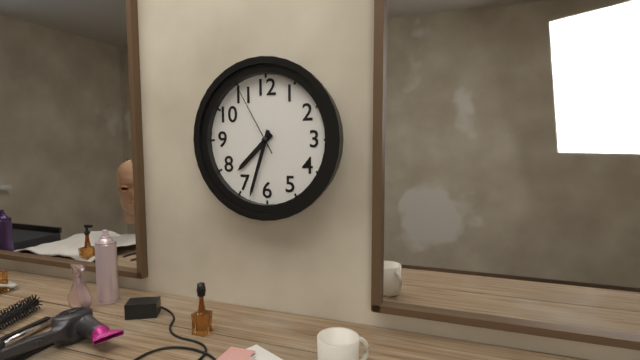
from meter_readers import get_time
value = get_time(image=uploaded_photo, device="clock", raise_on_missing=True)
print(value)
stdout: 7:33:55
